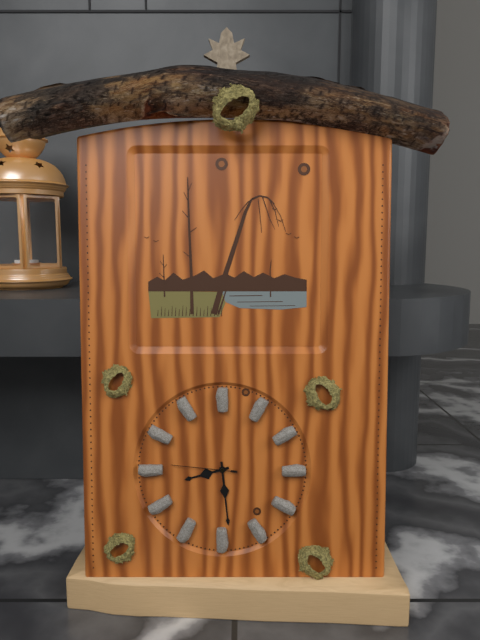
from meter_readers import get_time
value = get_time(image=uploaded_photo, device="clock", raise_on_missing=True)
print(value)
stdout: 8:29:46
